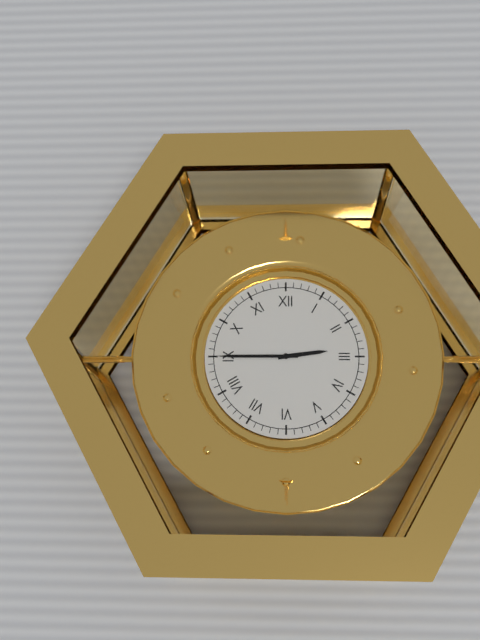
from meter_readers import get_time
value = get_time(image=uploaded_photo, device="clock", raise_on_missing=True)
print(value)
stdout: 2:45
